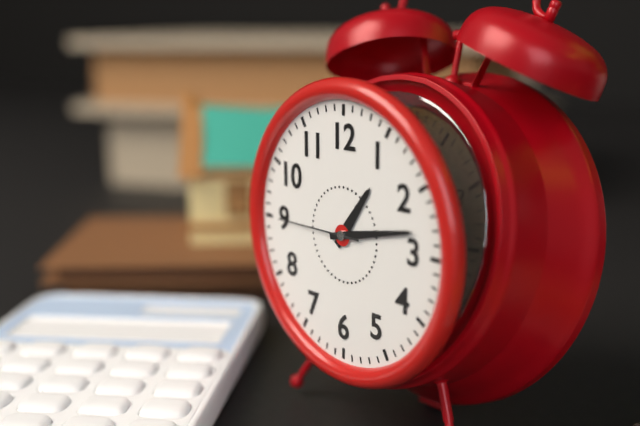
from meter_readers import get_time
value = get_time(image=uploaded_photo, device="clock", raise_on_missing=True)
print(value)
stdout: 1:13:45
